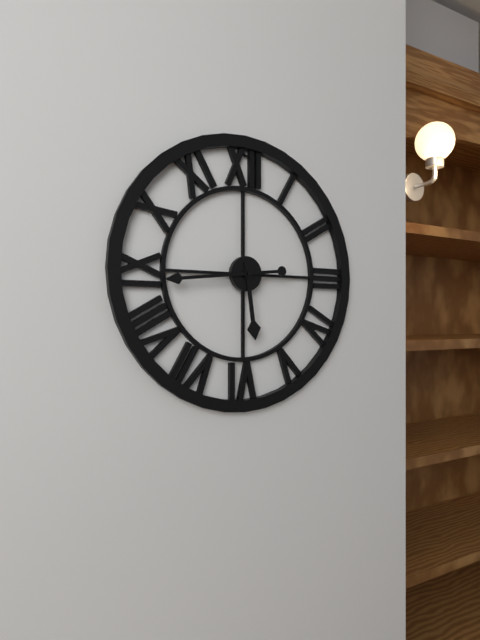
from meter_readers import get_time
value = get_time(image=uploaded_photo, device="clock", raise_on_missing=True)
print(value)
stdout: 5:44
